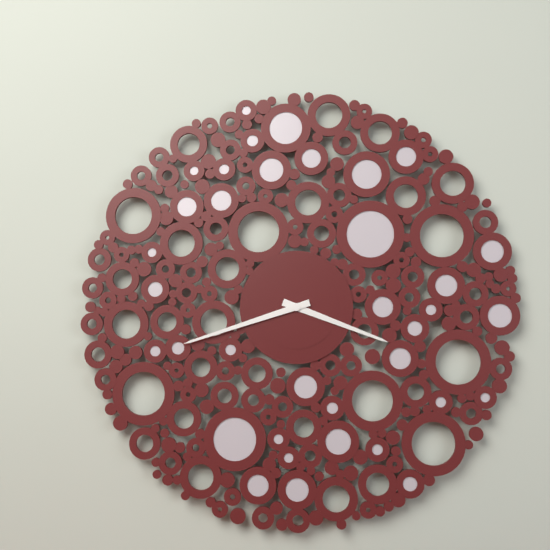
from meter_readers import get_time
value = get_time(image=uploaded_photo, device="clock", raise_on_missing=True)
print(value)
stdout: 3:42
